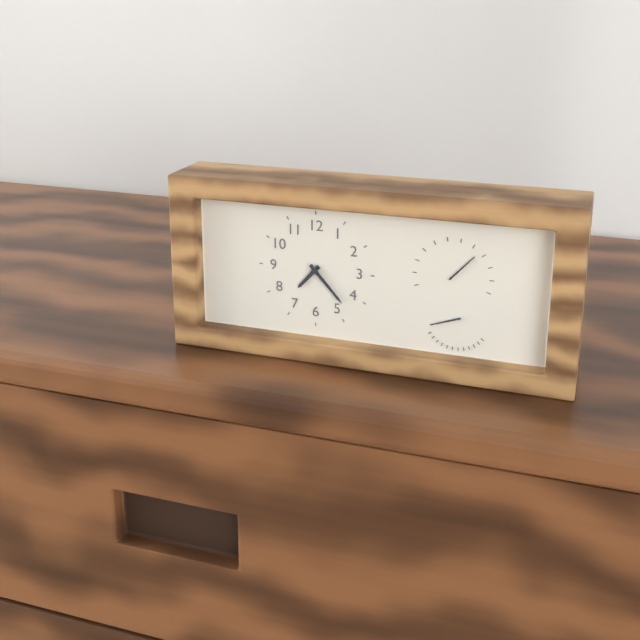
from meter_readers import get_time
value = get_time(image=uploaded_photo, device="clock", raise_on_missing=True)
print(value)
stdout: 7:23
